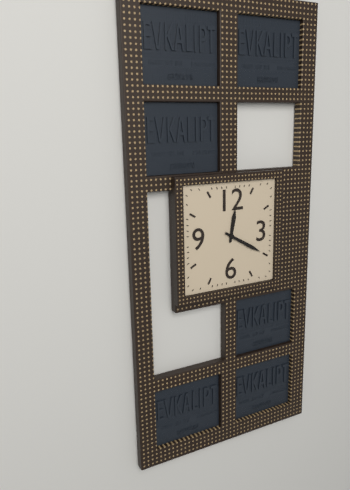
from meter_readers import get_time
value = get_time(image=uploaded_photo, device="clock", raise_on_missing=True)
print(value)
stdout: 12:20
